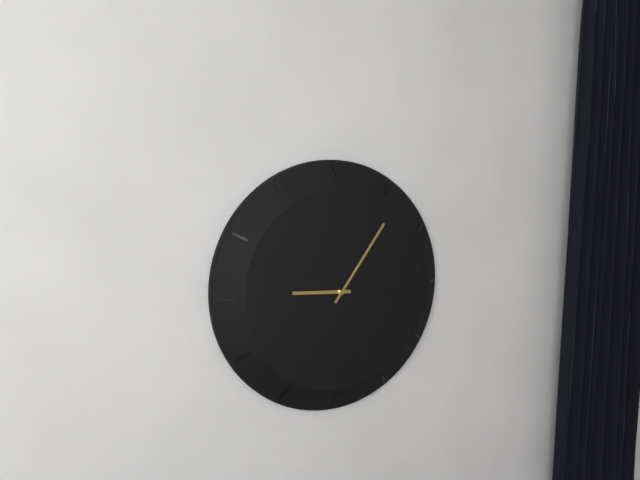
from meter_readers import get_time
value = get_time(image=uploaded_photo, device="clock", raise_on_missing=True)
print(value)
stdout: 9:06
